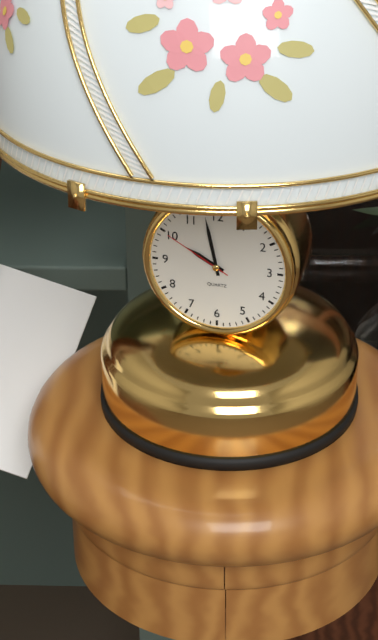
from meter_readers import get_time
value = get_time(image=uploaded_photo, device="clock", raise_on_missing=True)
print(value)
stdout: 9:58:50
